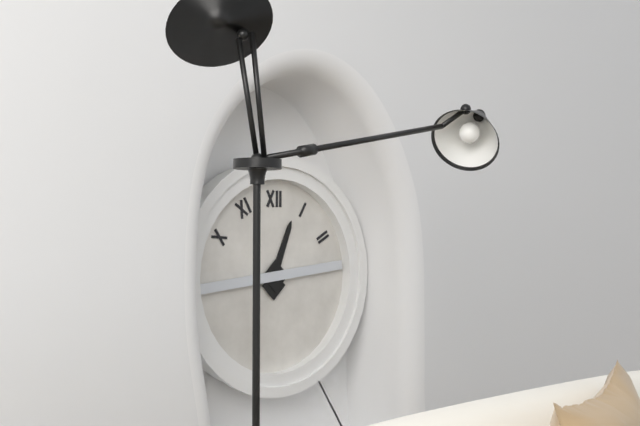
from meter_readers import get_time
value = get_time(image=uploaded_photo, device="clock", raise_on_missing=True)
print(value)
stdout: 12:44
